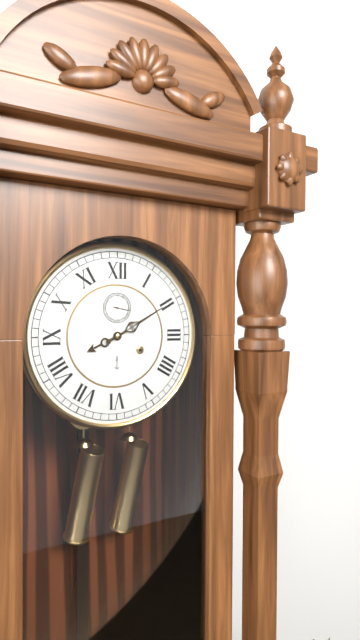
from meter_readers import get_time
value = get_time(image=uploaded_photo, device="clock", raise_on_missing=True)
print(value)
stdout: 8:10
